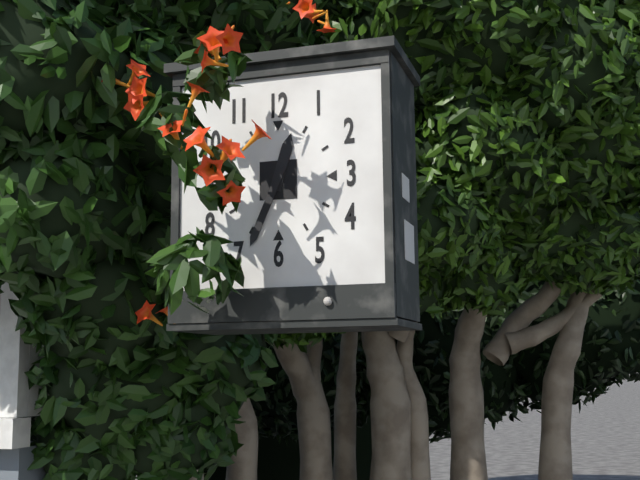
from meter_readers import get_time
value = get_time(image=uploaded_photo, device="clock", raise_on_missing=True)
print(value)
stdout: 12:34
